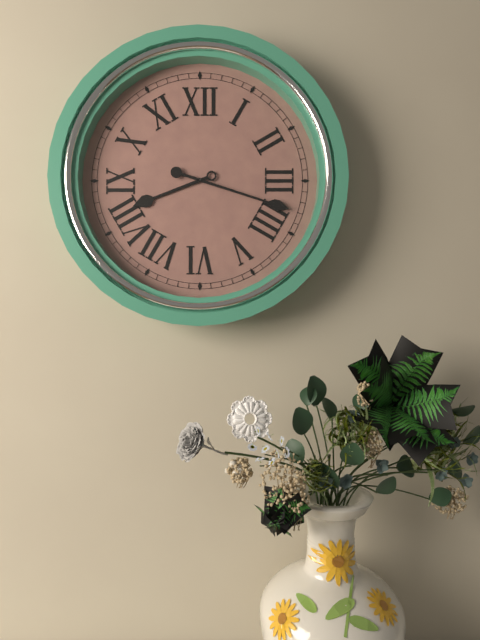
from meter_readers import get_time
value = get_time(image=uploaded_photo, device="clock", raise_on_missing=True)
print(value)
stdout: 8:18
